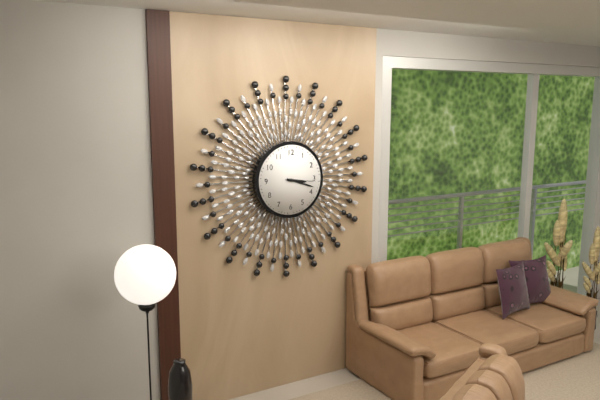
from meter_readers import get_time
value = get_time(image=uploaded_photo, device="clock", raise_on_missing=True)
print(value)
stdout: 3:18
